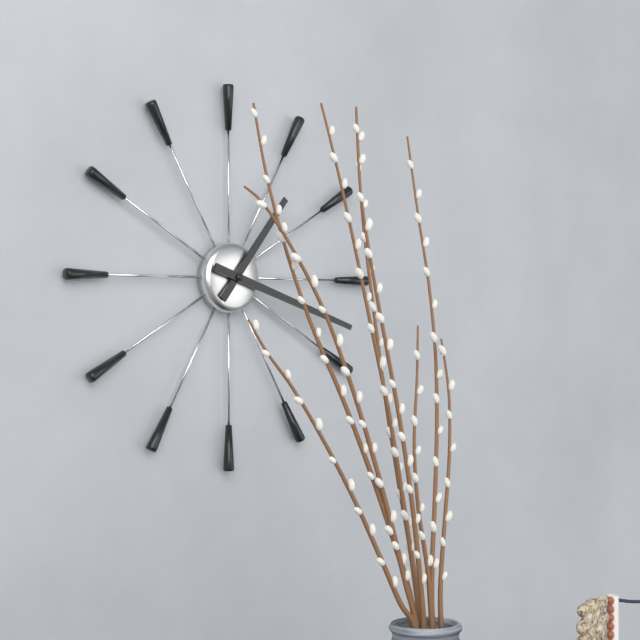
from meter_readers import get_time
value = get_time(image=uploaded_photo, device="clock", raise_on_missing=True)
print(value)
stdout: 1:18
